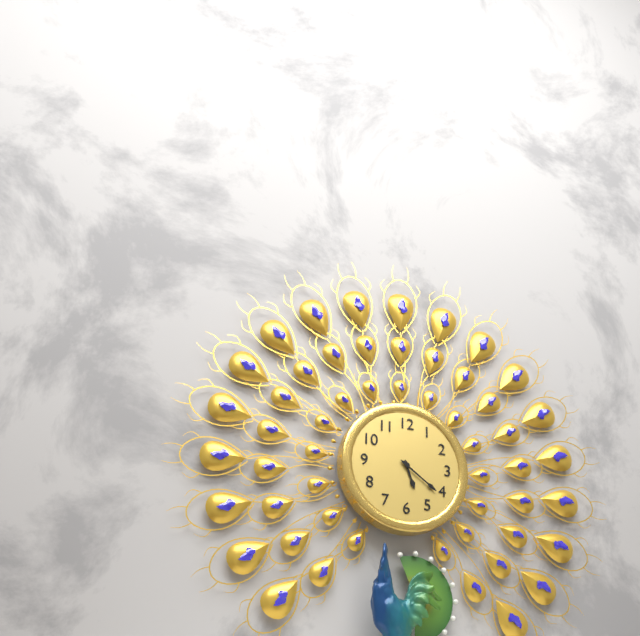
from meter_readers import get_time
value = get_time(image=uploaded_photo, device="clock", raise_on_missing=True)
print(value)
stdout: 5:21
